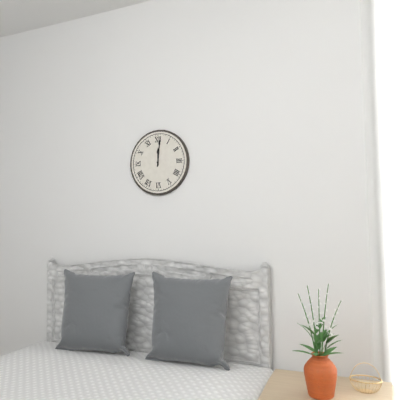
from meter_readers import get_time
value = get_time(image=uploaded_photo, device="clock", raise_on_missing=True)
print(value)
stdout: 12:01
